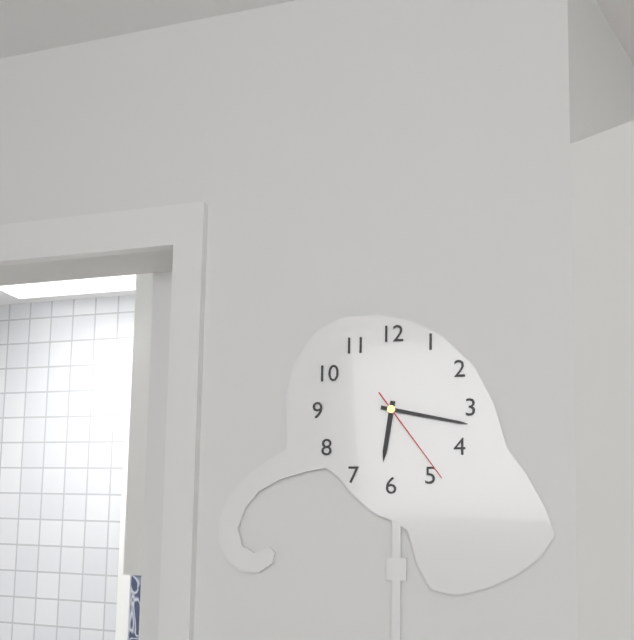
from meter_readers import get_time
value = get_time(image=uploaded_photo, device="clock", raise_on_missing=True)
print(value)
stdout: 6:17:24
